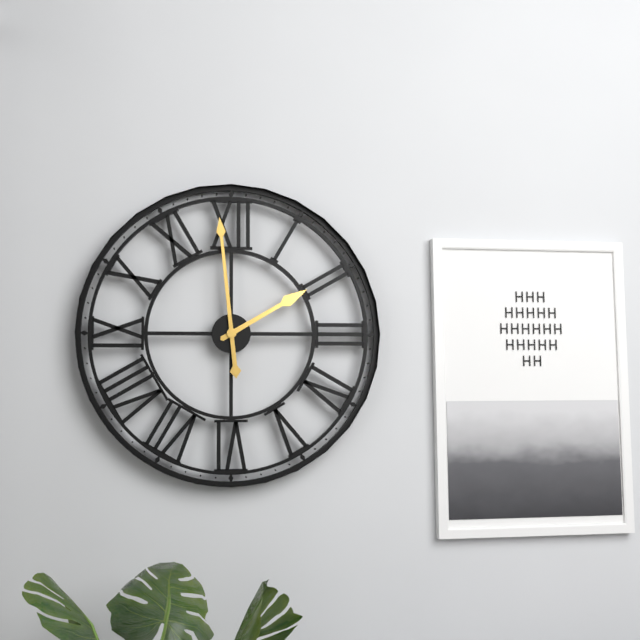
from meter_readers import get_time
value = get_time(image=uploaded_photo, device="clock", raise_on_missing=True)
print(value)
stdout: 1:59
